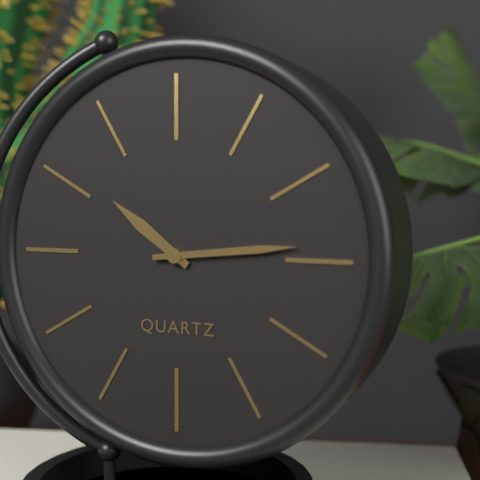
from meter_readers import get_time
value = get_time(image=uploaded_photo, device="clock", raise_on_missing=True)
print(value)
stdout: 10:14
